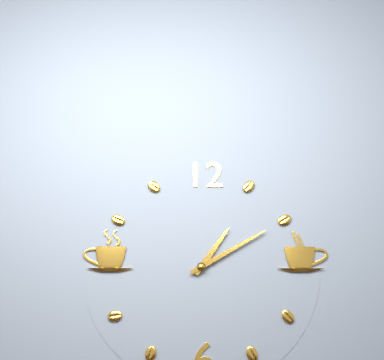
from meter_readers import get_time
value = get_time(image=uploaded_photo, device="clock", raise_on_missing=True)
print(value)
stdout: 1:10
